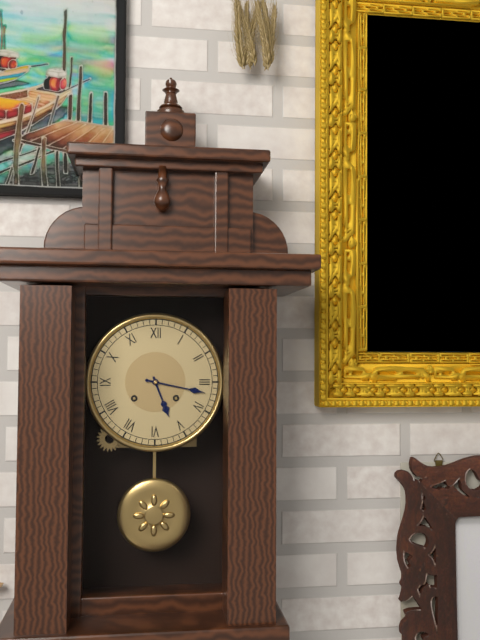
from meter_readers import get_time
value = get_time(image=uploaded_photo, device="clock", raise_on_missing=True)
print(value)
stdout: 5:17
